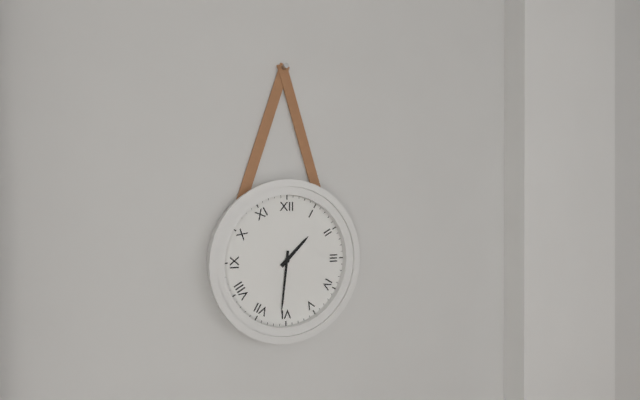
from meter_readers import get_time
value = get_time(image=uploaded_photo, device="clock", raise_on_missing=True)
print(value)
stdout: 1:31
